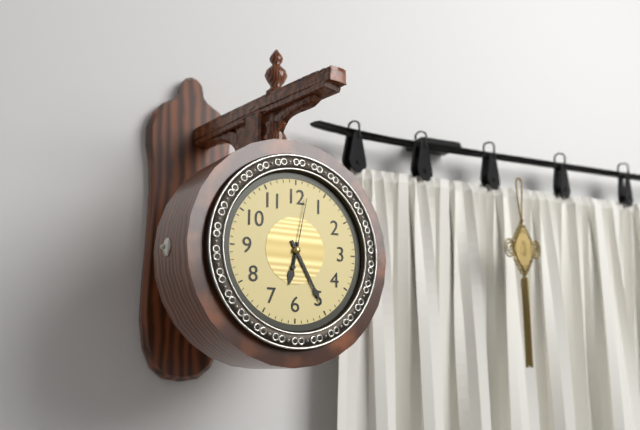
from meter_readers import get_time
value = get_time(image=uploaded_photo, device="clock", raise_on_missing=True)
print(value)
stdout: 6:25:02
